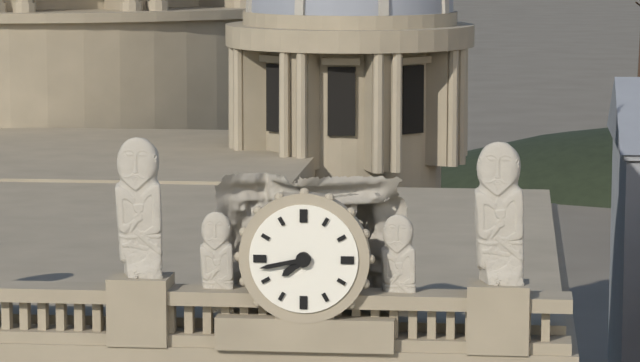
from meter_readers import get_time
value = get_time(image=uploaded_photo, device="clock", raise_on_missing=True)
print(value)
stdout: 7:43
